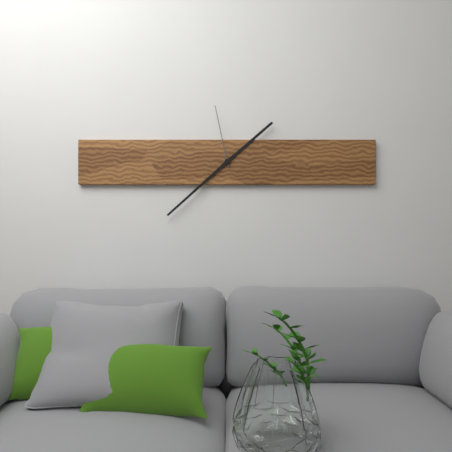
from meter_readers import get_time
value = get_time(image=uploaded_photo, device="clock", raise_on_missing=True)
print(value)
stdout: 1:38:58
